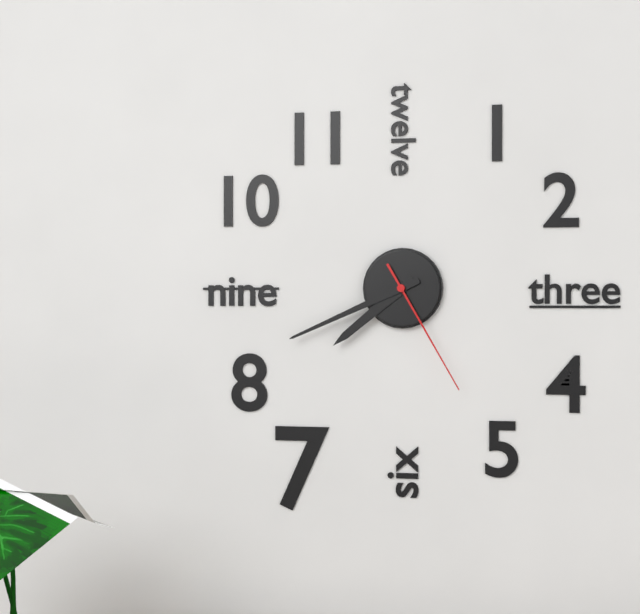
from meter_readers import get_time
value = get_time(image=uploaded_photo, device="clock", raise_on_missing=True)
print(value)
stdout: 7:41:25
